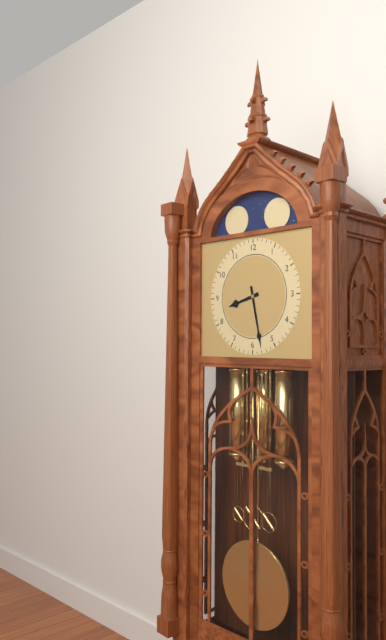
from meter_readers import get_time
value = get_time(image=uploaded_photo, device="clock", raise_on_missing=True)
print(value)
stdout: 8:28
